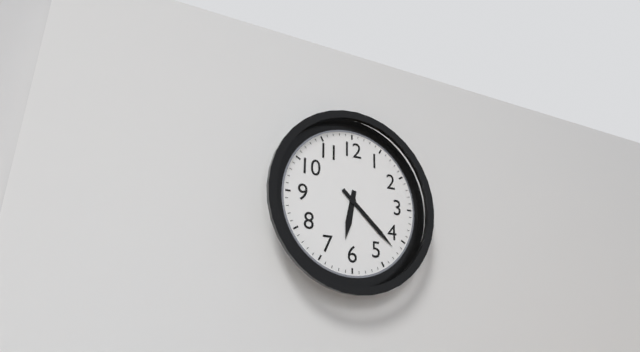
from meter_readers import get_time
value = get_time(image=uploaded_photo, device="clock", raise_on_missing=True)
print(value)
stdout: 6:22
